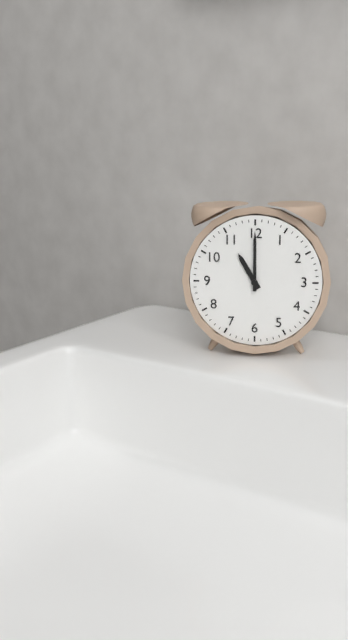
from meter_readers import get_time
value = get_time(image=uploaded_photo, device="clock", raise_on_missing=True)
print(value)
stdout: 11:00
